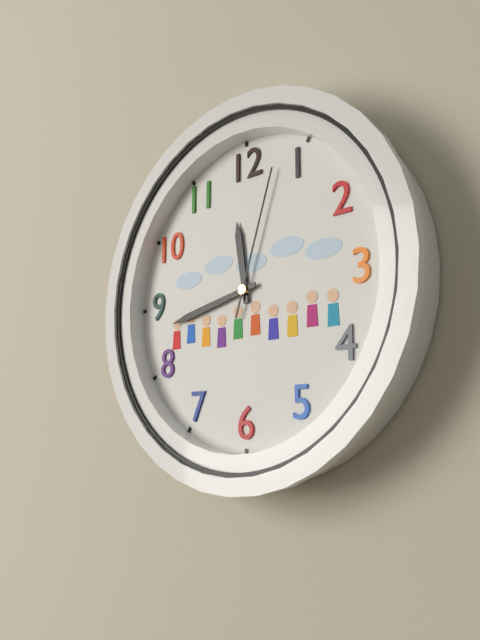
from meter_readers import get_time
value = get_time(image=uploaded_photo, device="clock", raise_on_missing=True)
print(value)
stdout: 11:43:03
